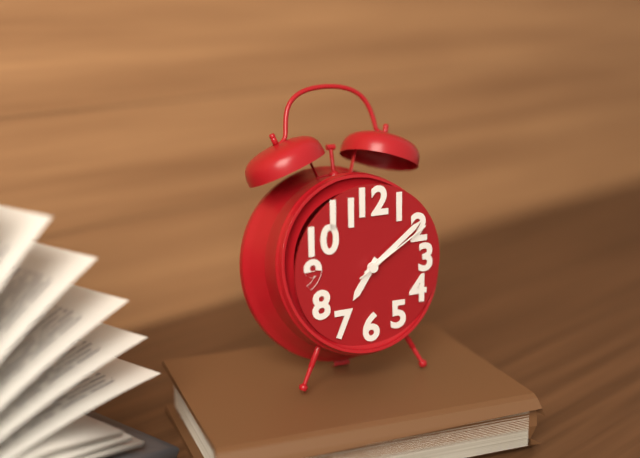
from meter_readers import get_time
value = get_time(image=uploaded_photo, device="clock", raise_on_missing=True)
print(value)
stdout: 7:09:10
